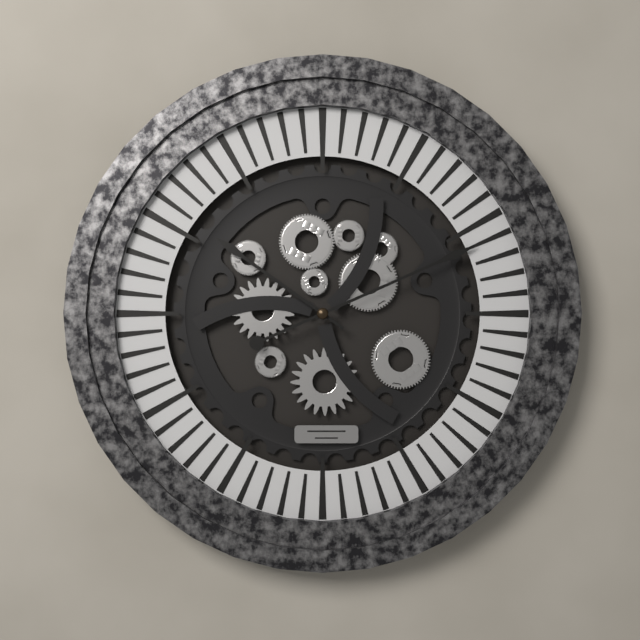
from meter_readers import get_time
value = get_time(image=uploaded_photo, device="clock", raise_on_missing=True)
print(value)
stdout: 10:11
